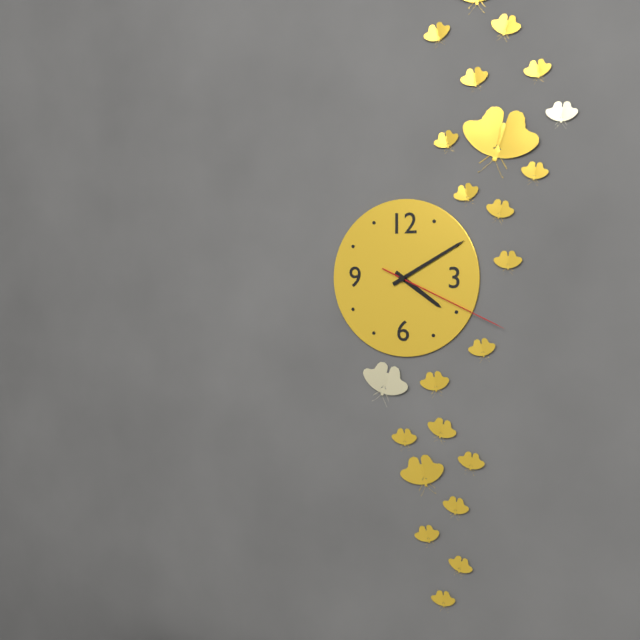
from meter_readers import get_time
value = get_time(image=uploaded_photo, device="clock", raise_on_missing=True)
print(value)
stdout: 4:10:19
